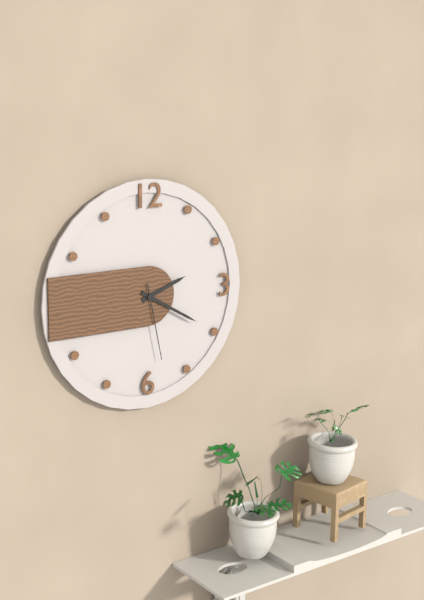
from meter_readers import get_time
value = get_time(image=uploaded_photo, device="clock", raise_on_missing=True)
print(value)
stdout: 2:20:28
